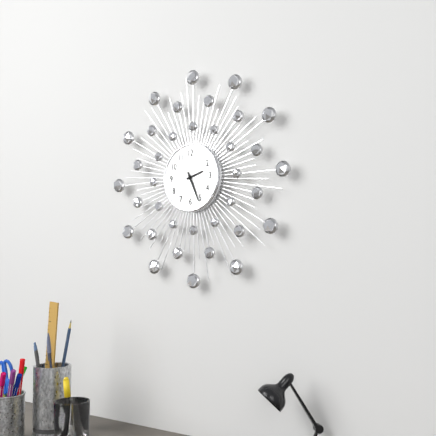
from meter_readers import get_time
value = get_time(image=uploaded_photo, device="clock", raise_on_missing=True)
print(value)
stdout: 2:26
